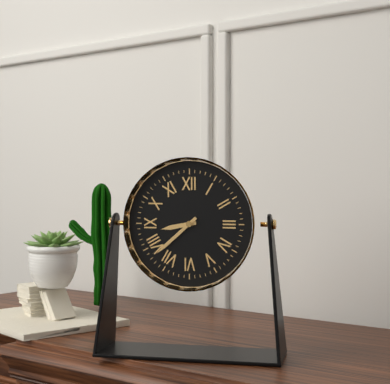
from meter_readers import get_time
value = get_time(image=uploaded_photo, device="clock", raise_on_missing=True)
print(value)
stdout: 8:38
